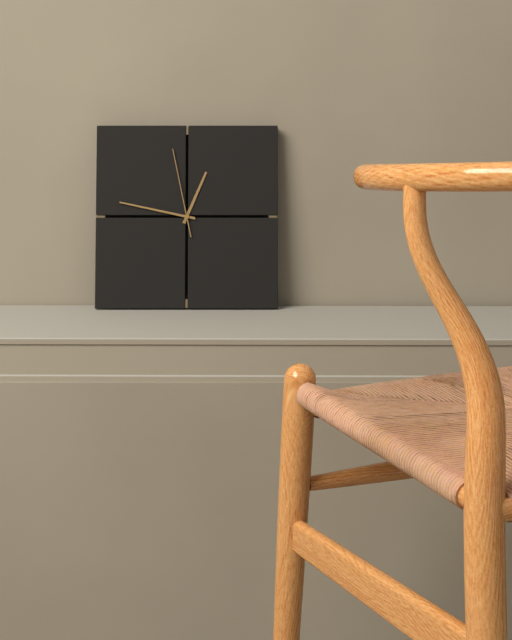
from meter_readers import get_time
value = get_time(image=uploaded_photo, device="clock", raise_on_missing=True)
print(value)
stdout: 12:47:58
